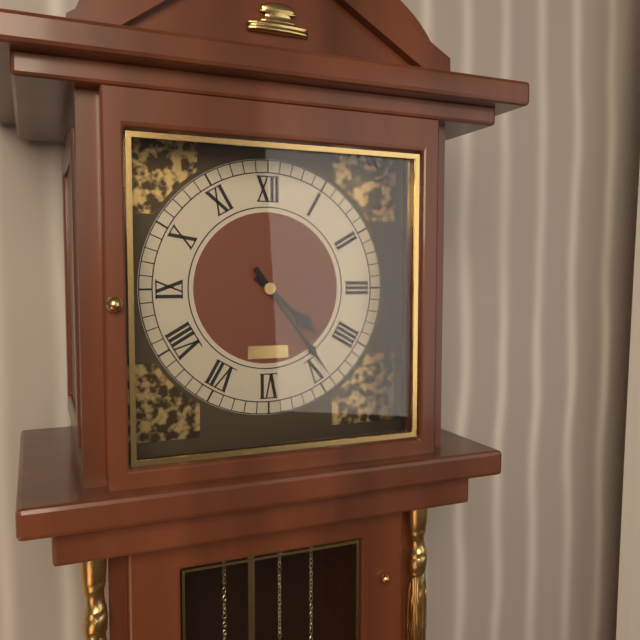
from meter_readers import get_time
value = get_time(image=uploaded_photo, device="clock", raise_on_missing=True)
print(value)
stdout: 4:24
